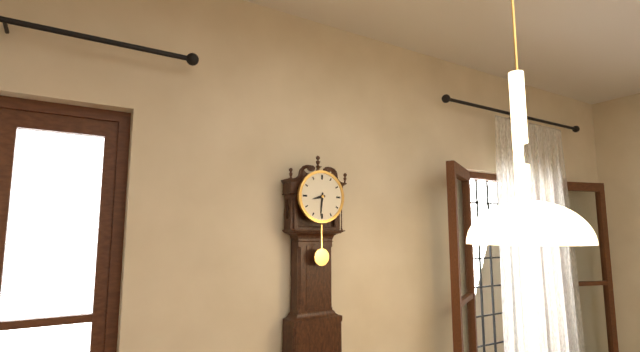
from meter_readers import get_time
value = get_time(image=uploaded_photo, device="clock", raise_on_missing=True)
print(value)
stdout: 8:31
